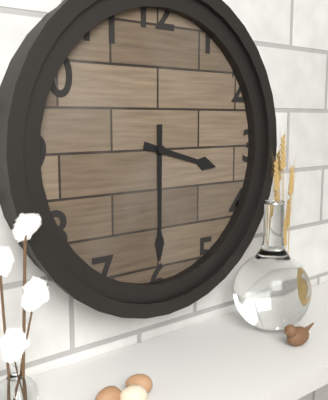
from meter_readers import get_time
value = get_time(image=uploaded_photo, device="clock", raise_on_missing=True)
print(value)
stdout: 3:30
